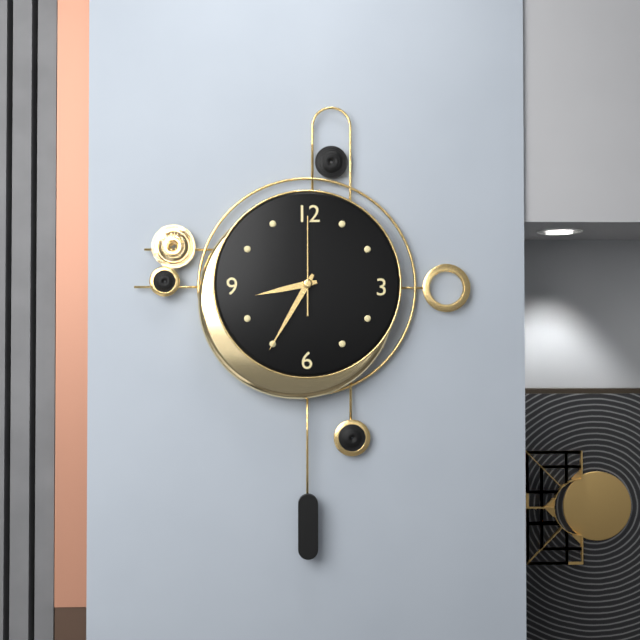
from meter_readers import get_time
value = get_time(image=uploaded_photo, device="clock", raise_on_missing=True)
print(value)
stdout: 8:35:00
